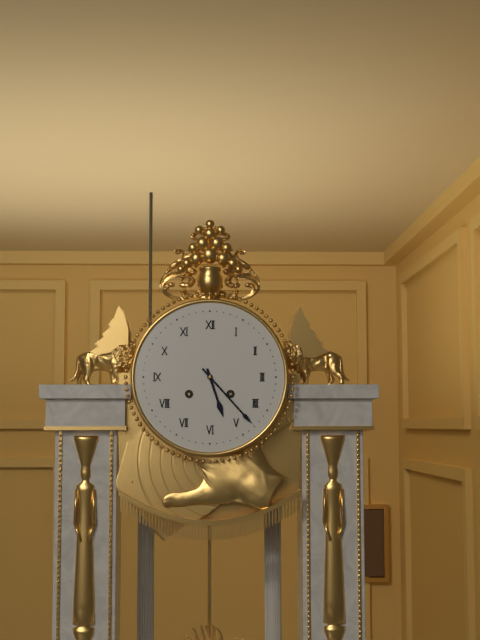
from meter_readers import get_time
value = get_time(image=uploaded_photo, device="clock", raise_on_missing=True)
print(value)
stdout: 5:23
